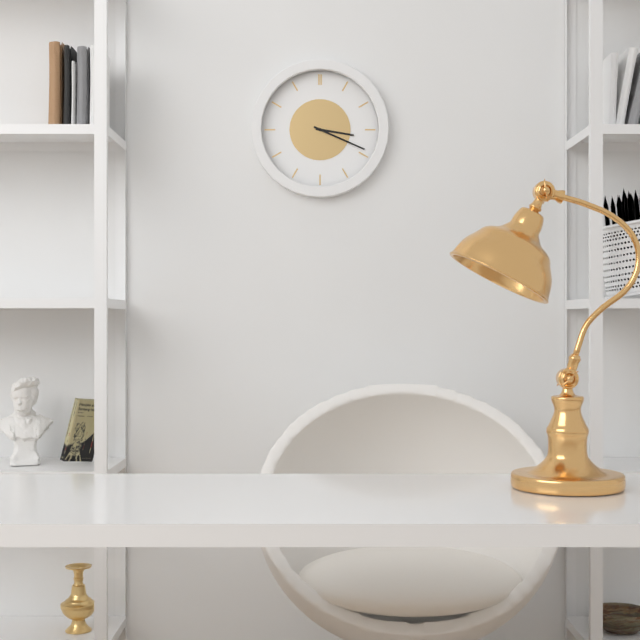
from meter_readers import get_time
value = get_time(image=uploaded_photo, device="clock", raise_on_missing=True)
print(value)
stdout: 3:19
